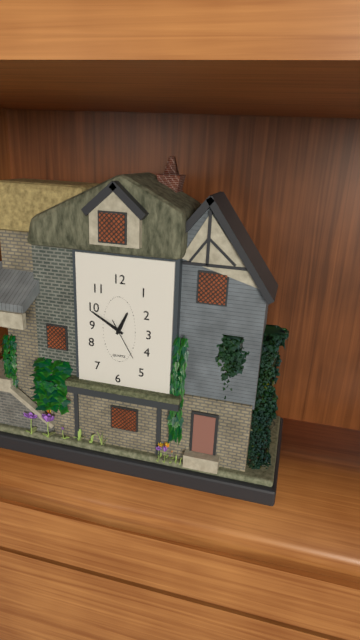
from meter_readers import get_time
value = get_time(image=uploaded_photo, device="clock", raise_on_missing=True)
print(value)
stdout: 12:50
